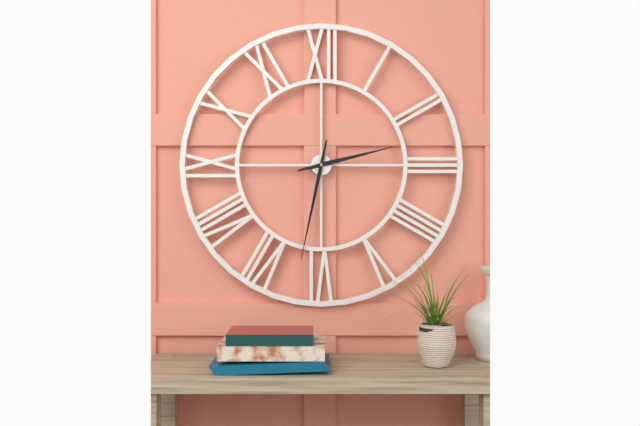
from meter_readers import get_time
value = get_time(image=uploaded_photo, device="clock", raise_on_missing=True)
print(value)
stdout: 2:32
